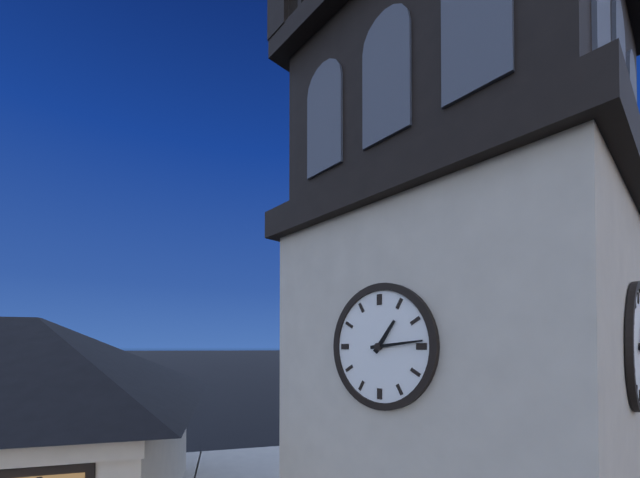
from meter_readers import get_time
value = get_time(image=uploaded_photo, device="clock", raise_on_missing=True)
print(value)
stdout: 1:14
